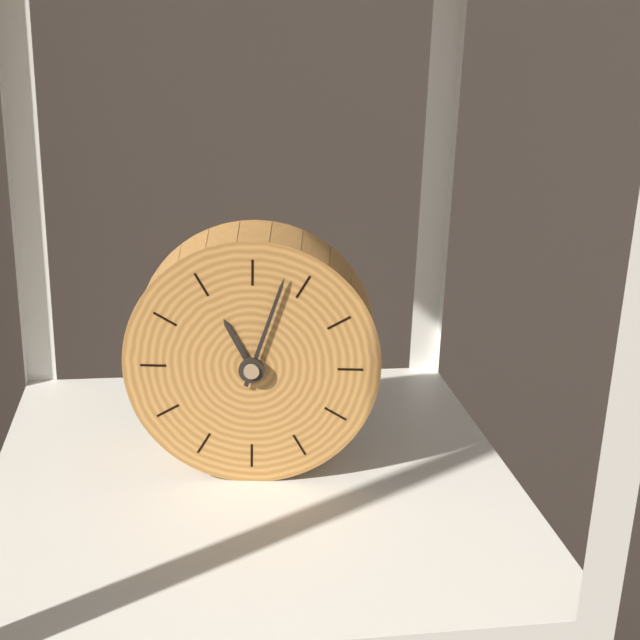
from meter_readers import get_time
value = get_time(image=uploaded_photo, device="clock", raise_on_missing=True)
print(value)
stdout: 11:03
